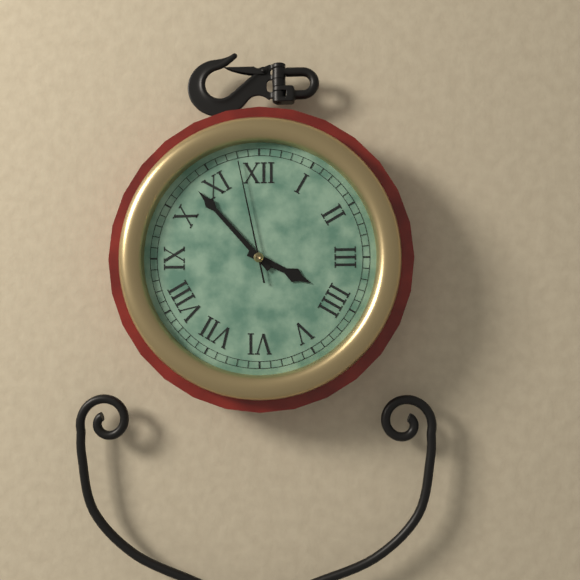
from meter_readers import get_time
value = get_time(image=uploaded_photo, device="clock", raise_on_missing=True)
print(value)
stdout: 3:53:58
